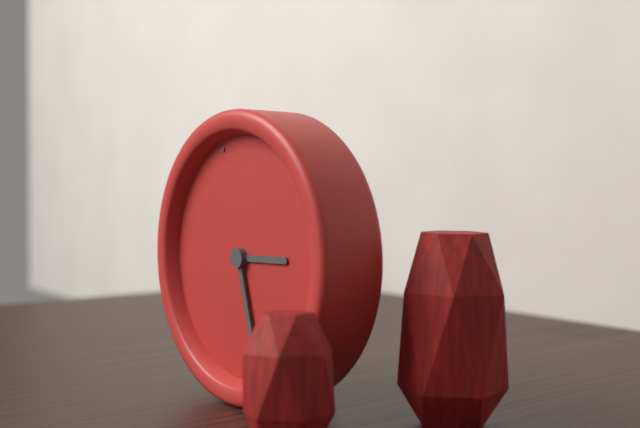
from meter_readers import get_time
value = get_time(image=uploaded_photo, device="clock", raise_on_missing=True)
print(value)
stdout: 3:30
